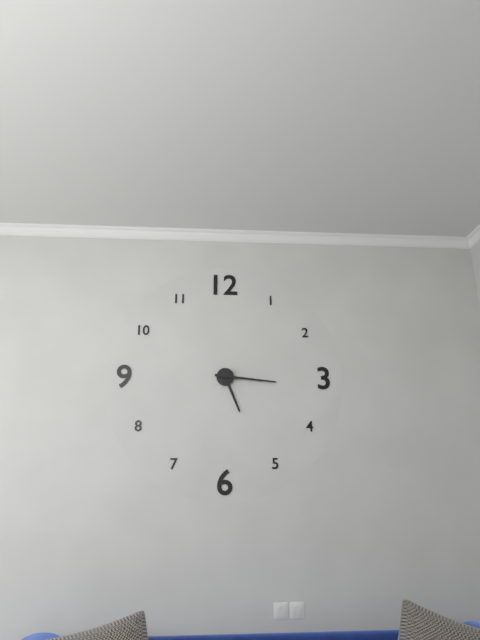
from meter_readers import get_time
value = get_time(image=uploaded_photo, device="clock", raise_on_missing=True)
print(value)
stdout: 5:16
